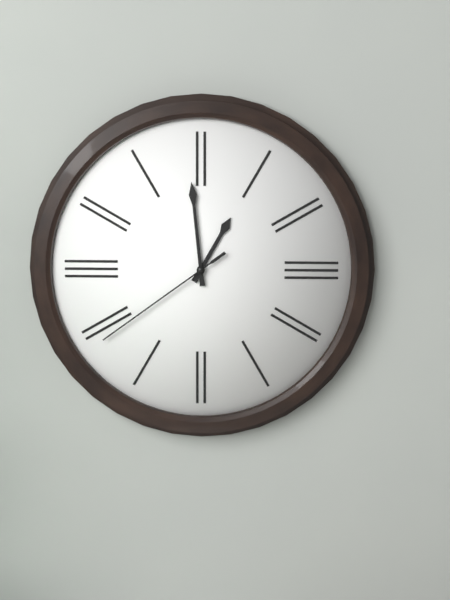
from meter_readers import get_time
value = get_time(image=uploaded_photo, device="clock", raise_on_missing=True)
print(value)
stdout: 12:59:39
